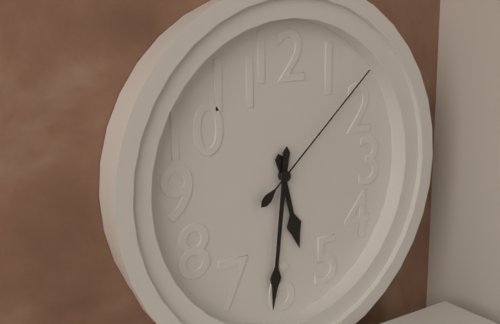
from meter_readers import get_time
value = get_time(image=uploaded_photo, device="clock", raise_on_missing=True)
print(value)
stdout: 5:31:08
